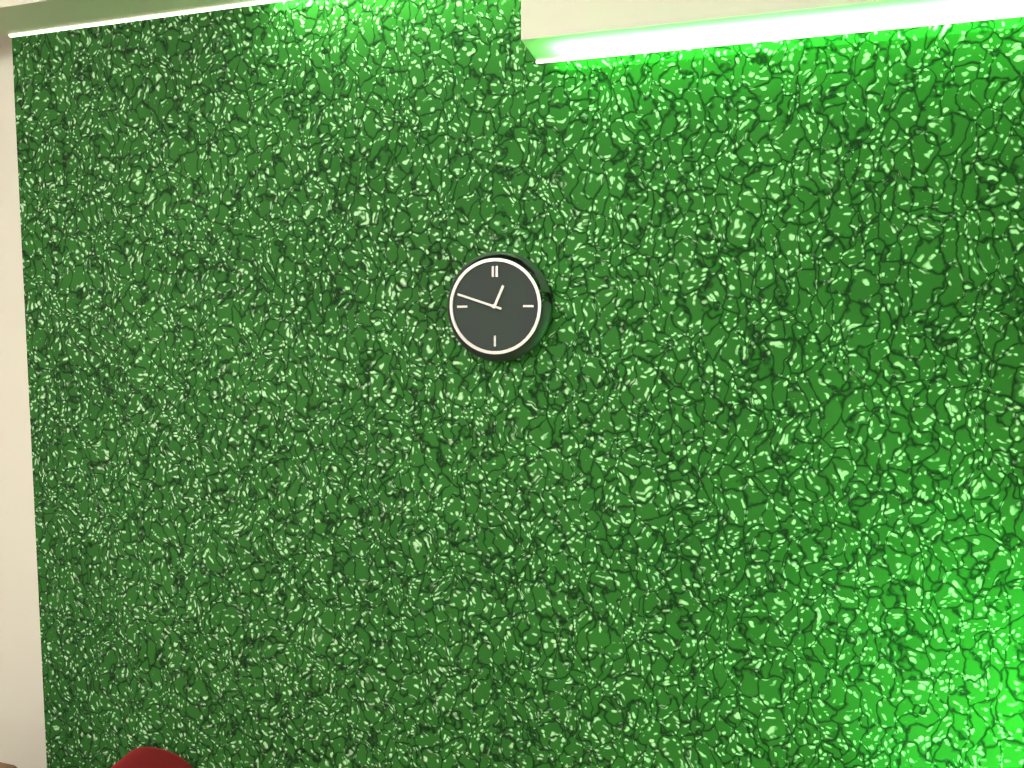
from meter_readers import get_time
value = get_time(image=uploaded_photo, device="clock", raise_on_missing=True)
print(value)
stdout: 12:48
